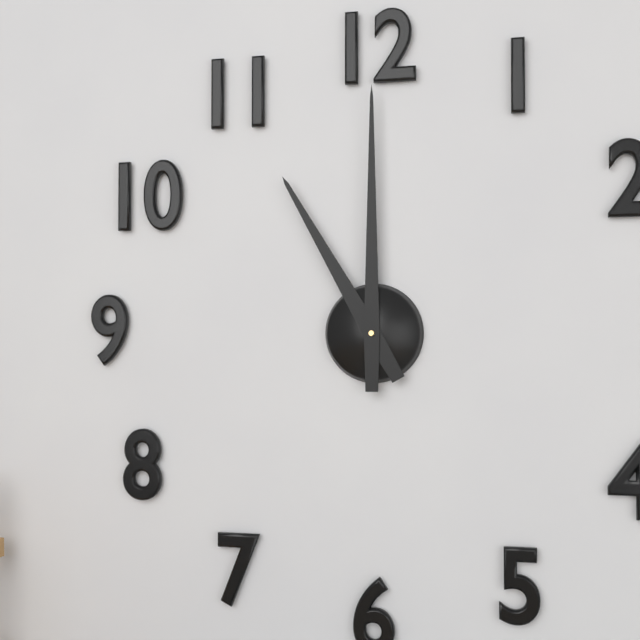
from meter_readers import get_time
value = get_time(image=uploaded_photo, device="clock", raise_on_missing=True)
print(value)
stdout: 11:00
